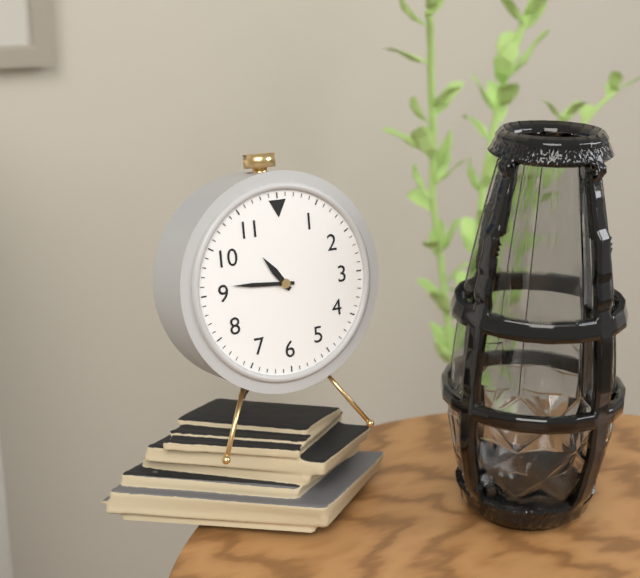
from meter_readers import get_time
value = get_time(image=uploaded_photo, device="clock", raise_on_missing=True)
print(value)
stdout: 10:46
